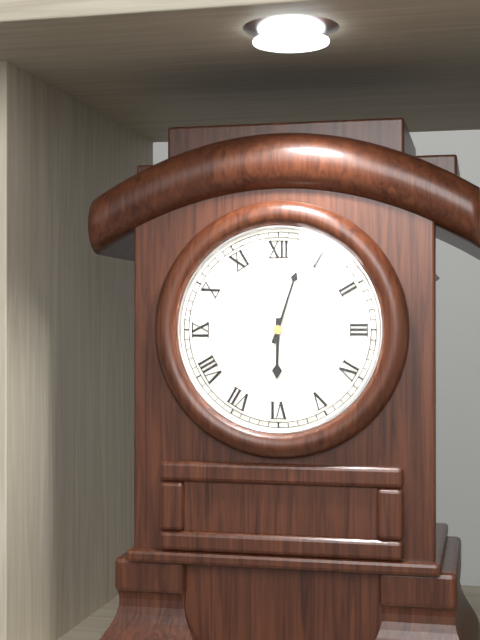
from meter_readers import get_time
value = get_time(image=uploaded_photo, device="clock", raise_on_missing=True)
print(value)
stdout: 6:03
